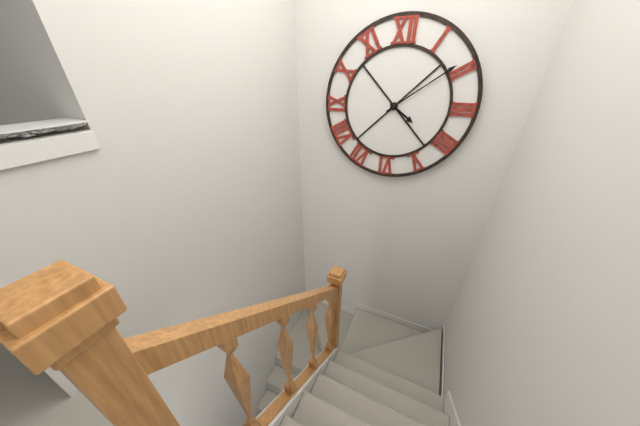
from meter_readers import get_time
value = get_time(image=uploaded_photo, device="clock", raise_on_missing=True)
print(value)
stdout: 4:09
